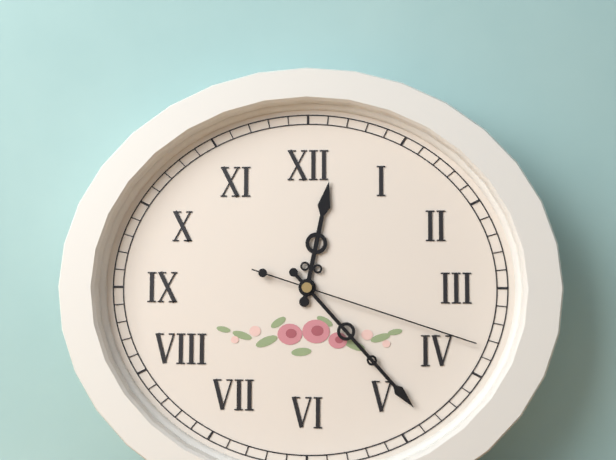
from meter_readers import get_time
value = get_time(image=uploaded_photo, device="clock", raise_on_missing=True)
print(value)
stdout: 12:23:18
